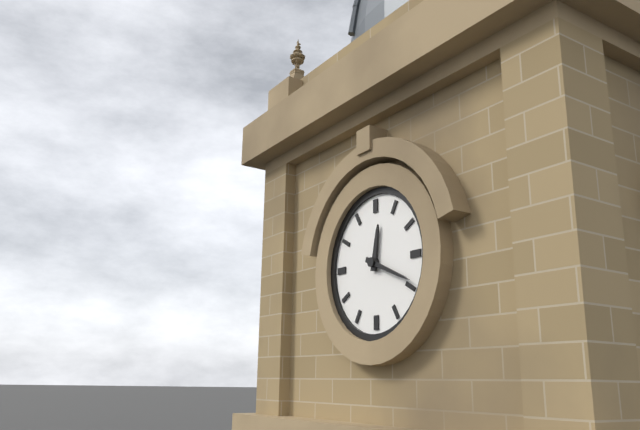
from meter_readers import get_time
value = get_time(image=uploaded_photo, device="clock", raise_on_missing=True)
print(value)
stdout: 12:19
